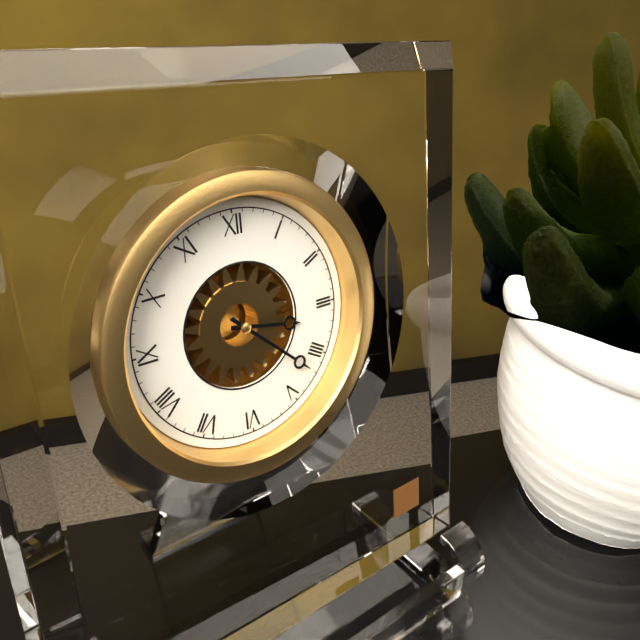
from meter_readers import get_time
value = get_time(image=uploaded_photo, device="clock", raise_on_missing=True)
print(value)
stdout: 3:22
